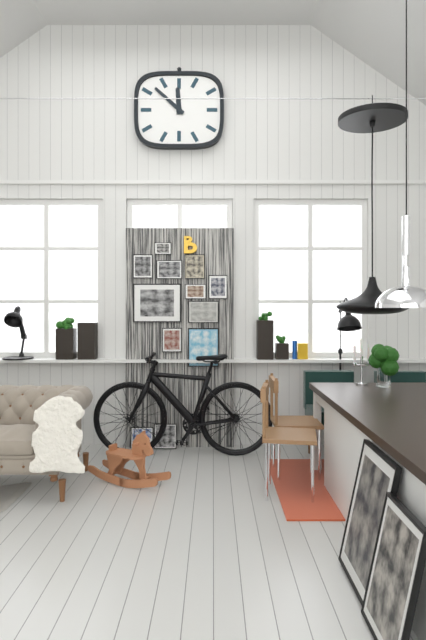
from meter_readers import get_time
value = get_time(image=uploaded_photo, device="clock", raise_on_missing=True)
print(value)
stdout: 11:52
